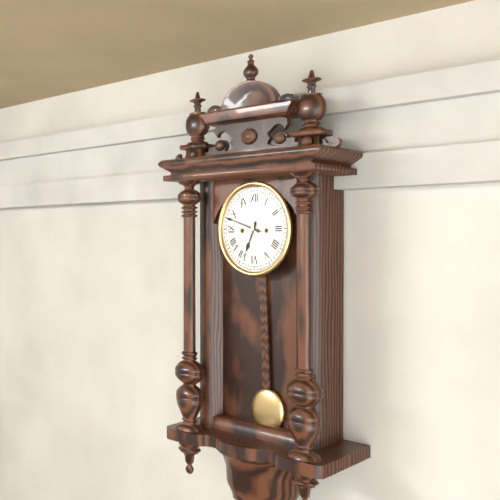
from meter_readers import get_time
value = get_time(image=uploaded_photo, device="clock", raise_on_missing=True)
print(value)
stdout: 6:48
